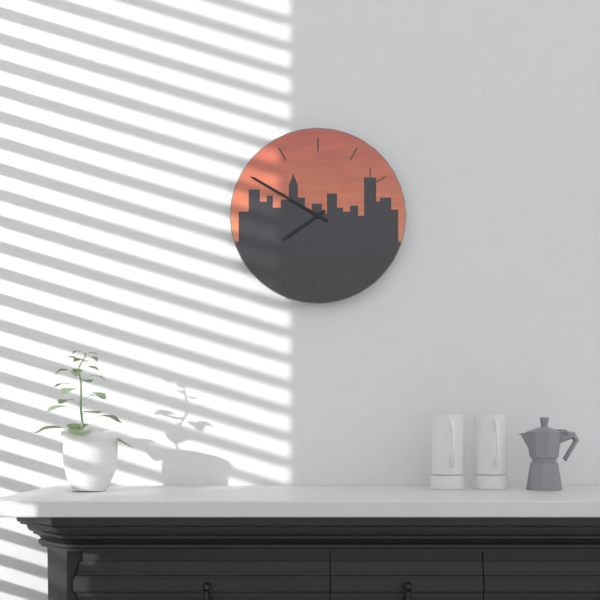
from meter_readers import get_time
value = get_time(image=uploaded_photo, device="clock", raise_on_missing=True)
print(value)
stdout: 7:50
